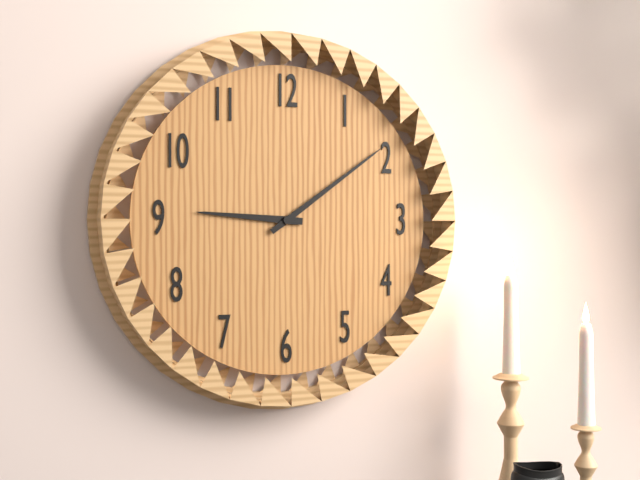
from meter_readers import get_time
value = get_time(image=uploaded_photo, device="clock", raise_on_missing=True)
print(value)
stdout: 9:09
